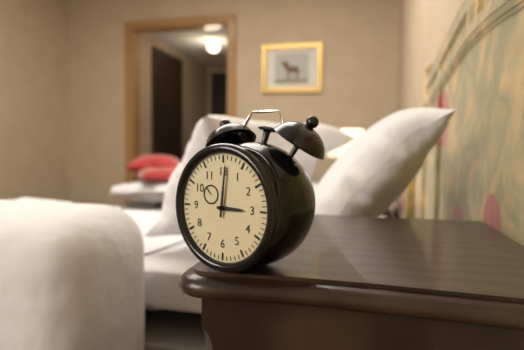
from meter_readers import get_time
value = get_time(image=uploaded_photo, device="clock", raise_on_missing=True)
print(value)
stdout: 3:01
